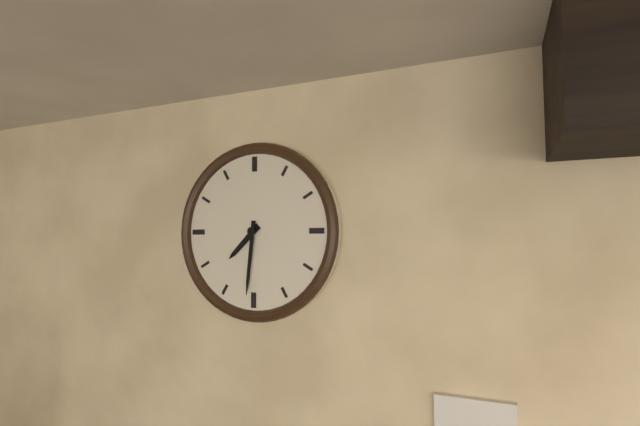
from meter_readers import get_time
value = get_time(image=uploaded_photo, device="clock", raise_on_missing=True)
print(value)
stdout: 7:31
